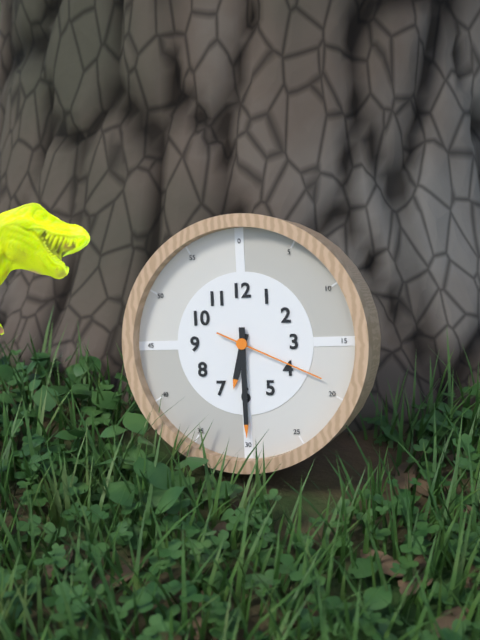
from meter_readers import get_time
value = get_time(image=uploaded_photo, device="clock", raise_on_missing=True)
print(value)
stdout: 6:30:19
